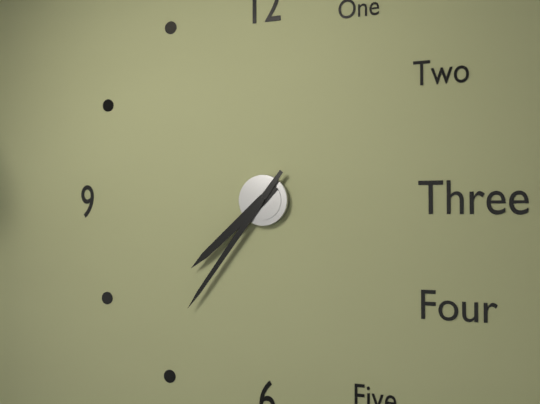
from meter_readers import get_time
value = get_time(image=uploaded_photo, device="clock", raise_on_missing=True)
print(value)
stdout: 7:36
